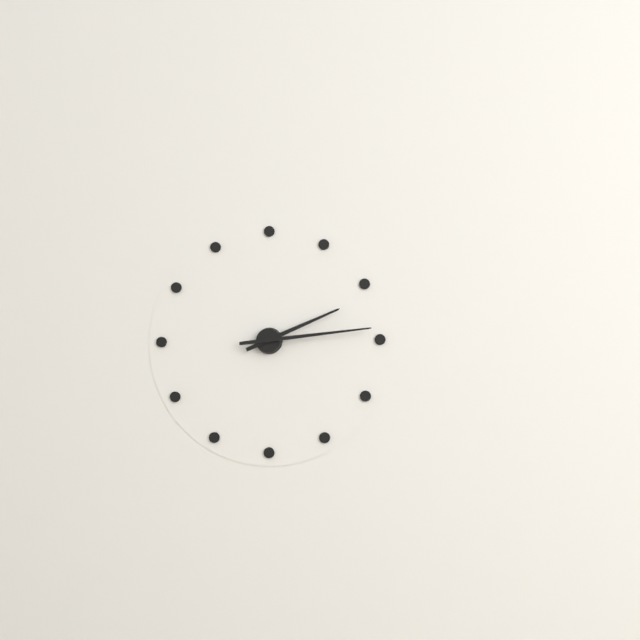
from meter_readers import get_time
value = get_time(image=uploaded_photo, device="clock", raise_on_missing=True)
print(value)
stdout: 2:14
